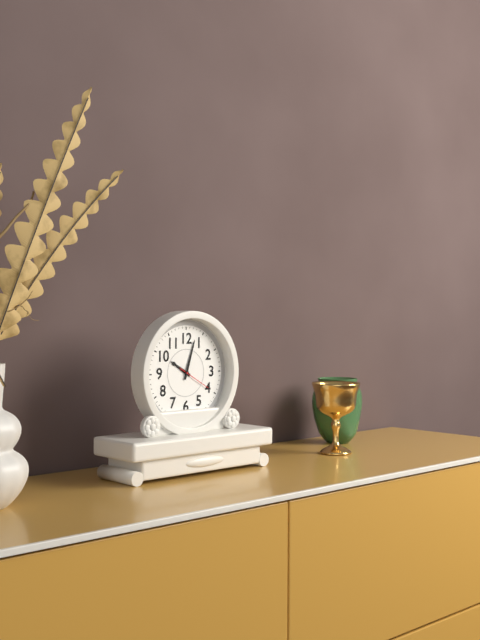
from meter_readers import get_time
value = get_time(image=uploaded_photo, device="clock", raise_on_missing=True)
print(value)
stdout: 10:03
